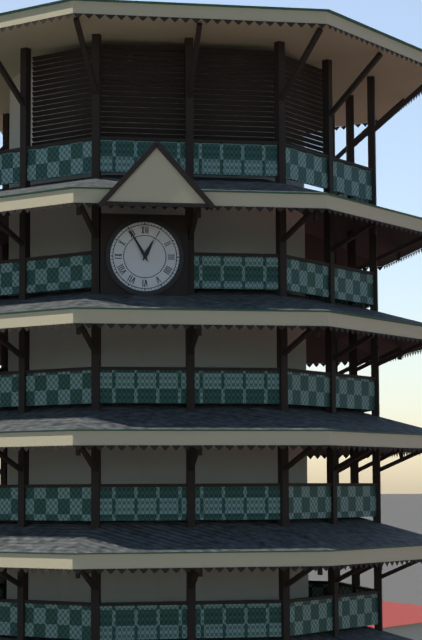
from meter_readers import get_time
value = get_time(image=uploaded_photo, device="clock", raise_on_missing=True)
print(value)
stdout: 12:55
